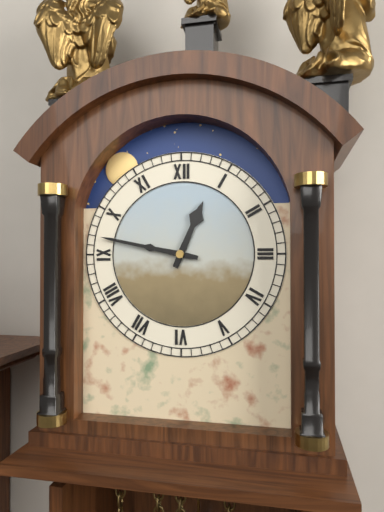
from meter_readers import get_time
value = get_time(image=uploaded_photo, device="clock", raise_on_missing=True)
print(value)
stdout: 12:47
